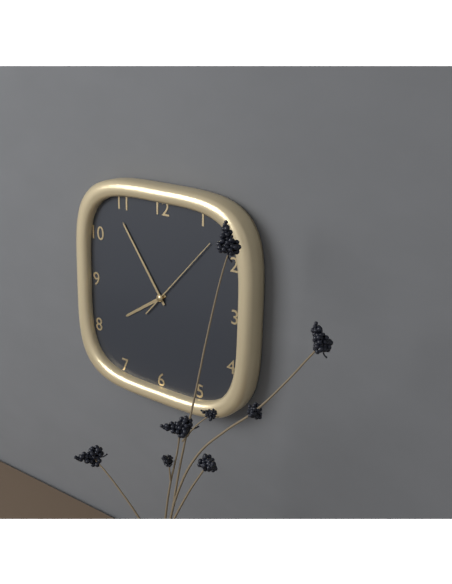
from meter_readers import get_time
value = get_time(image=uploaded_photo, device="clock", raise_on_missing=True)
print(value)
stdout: 7:54:07
